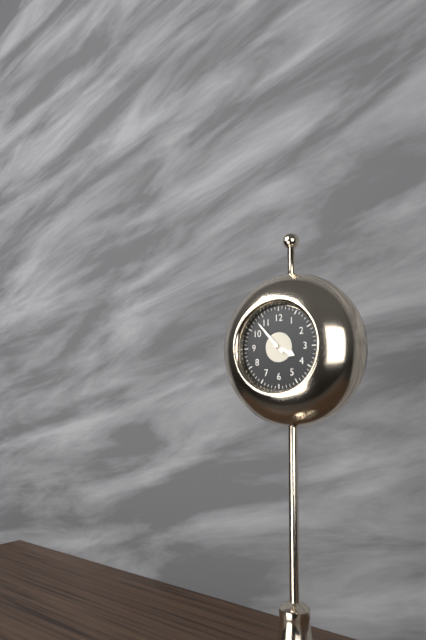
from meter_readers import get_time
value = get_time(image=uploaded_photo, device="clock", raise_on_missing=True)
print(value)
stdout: 3:53
